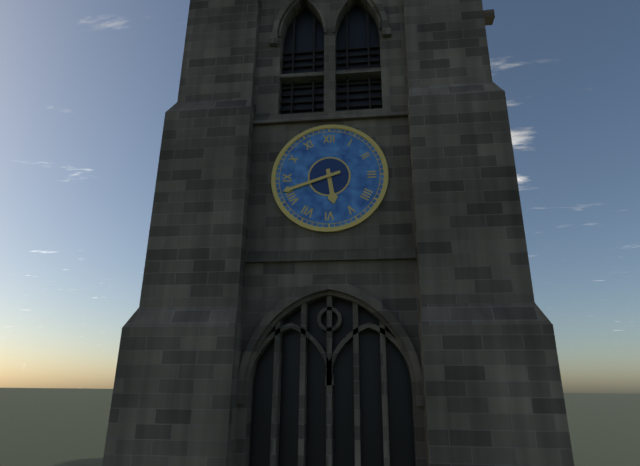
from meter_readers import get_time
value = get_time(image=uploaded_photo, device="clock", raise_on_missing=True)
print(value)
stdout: 5:42
